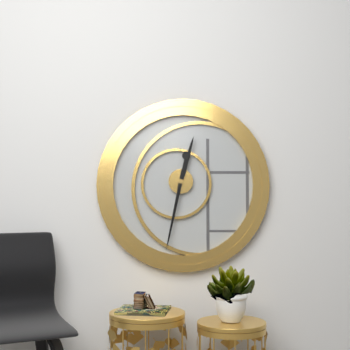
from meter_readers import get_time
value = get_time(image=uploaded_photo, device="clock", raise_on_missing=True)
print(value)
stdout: 12:32
